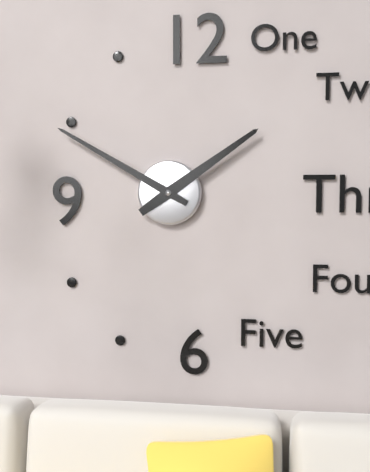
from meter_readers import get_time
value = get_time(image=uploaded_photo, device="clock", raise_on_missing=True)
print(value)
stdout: 1:50
